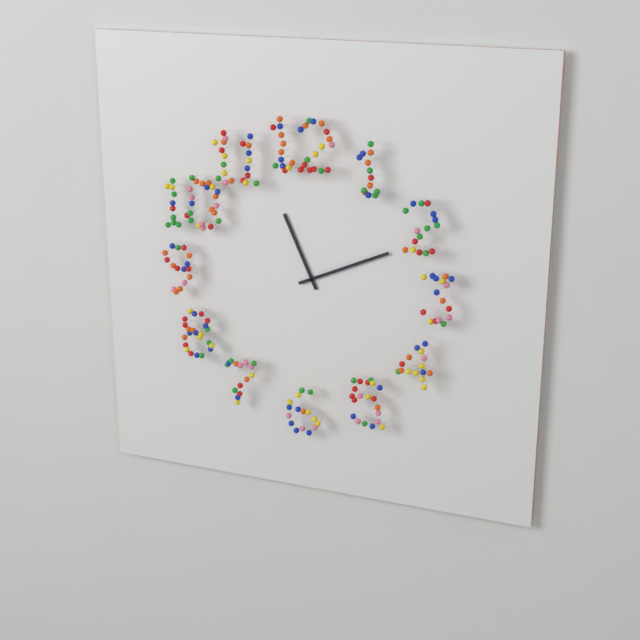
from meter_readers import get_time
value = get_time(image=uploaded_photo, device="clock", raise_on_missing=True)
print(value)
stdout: 11:11
